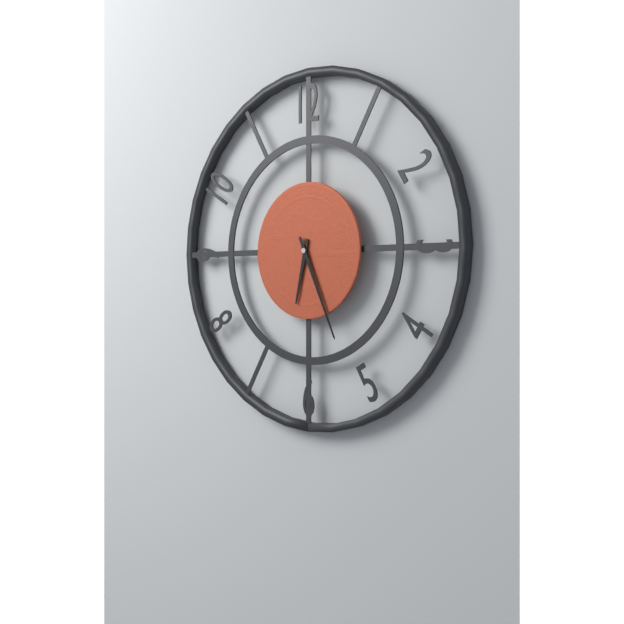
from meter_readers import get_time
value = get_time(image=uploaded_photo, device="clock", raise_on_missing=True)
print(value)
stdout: 6:26
